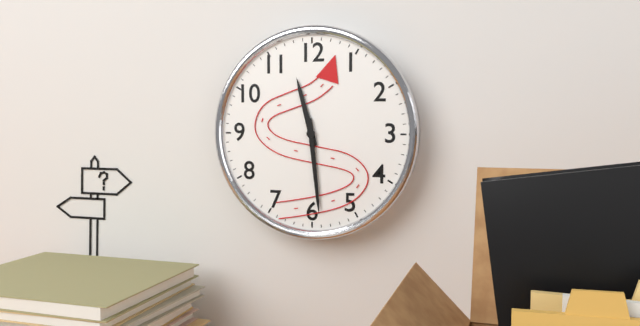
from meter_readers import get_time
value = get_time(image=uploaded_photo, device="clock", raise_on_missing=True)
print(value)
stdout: 11:29
